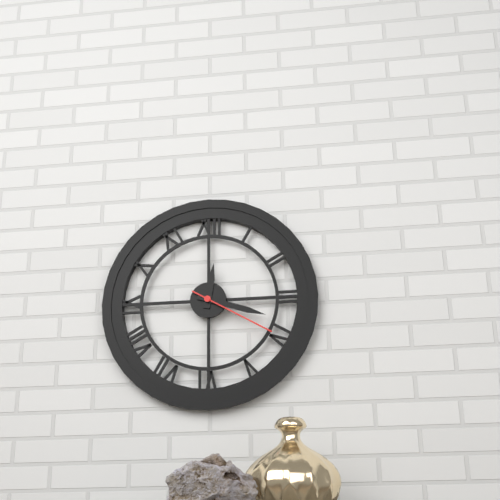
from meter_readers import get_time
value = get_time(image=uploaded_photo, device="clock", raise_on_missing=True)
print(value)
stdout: 12:18:20
